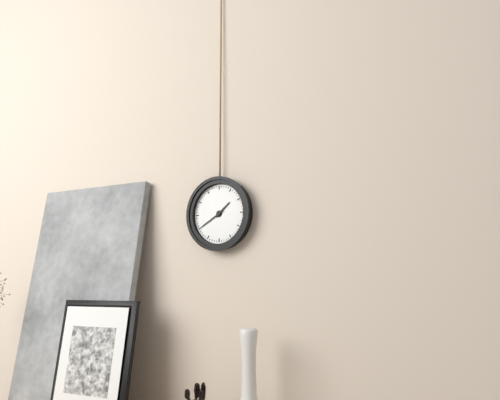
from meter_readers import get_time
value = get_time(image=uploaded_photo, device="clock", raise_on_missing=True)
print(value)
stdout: 1:40
